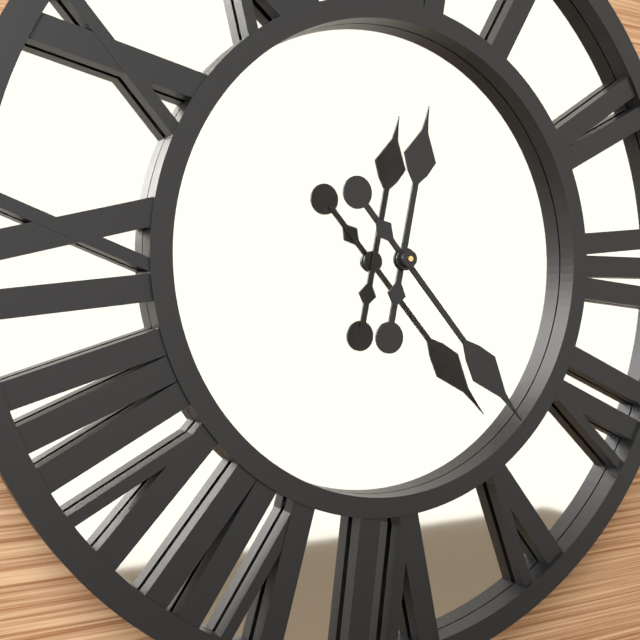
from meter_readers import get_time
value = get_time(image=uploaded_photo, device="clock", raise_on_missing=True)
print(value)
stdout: 12:23
